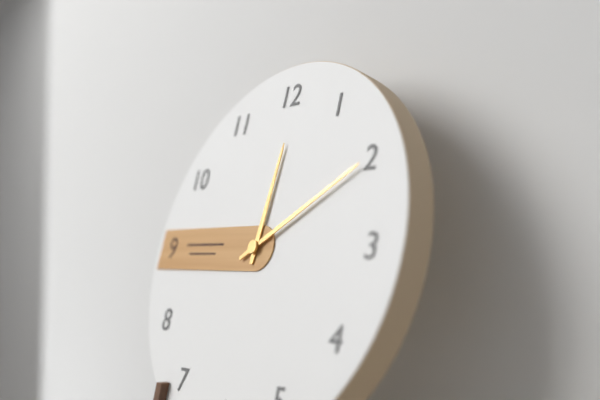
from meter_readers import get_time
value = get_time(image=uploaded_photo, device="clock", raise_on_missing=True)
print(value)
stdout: 12:10
